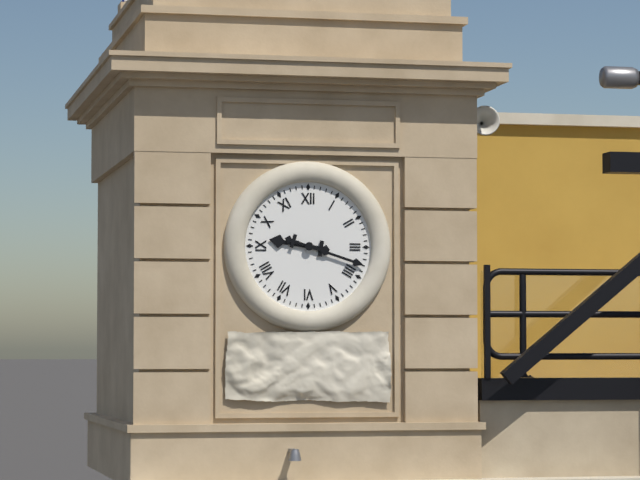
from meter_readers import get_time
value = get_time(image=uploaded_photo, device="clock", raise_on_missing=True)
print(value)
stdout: 9:18
